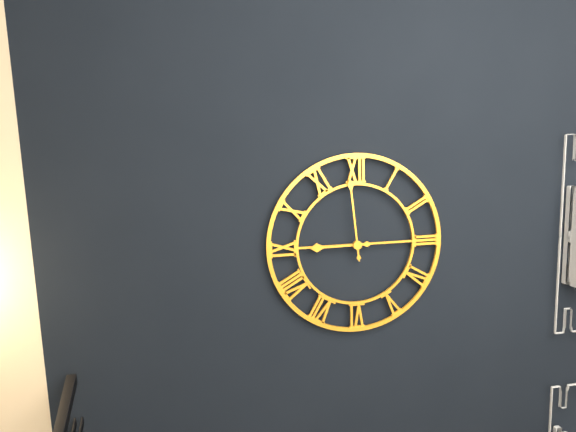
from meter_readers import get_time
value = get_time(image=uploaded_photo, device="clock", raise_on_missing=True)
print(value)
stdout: 8:59
